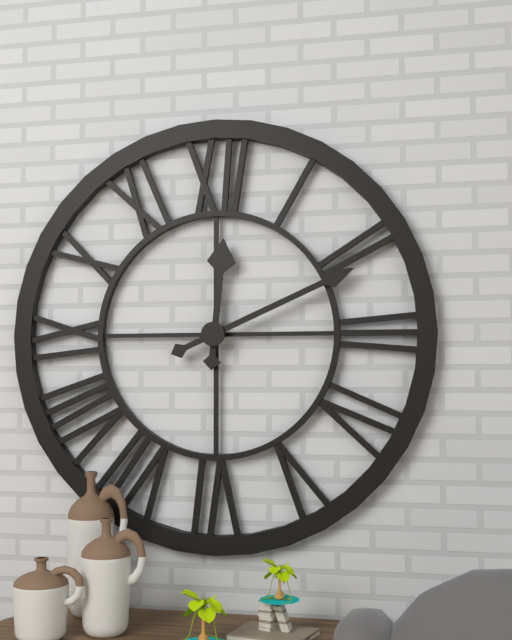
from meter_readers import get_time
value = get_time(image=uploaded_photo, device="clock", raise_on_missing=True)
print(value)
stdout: 12:11
